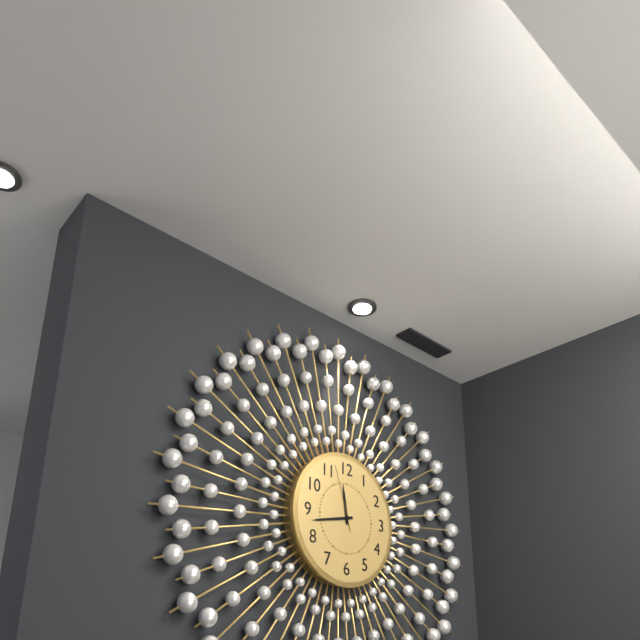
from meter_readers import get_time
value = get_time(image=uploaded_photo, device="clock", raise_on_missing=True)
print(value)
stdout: 11:43:57
